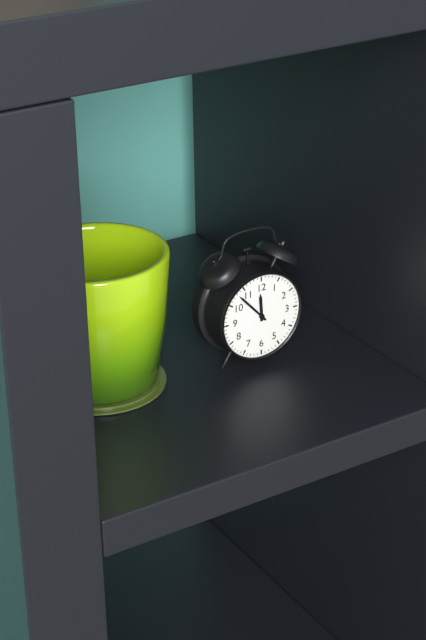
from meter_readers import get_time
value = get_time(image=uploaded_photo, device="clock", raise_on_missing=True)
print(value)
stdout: 11:53
